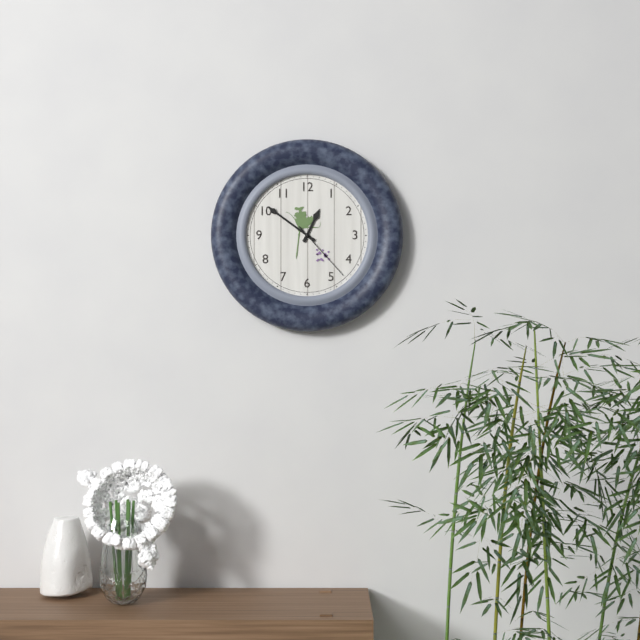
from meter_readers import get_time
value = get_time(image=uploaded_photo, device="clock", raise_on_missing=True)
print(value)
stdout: 12:51:23
